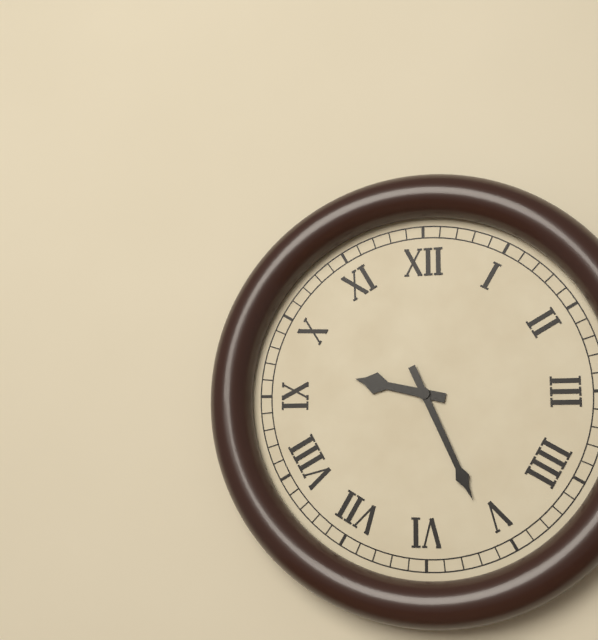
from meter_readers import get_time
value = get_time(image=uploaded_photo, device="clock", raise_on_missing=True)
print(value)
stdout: 9:26
